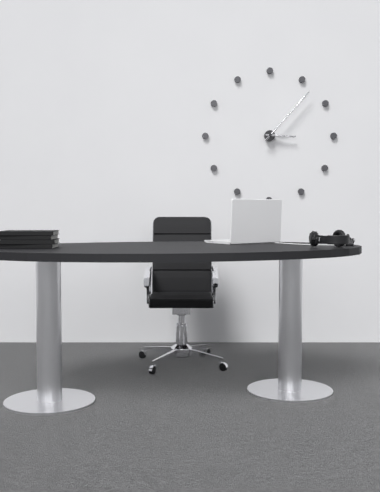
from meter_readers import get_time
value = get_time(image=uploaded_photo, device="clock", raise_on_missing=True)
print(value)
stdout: 3:07
